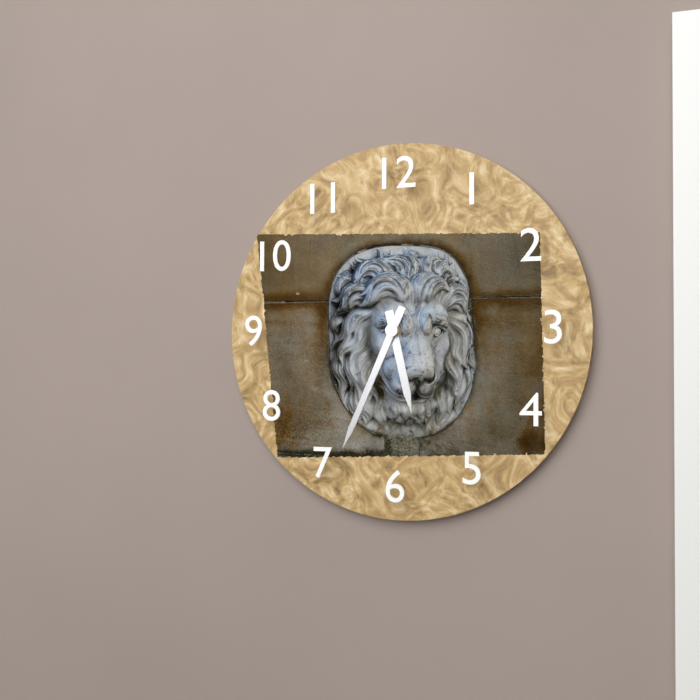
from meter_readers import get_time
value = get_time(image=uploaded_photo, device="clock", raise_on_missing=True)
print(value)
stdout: 5:34
